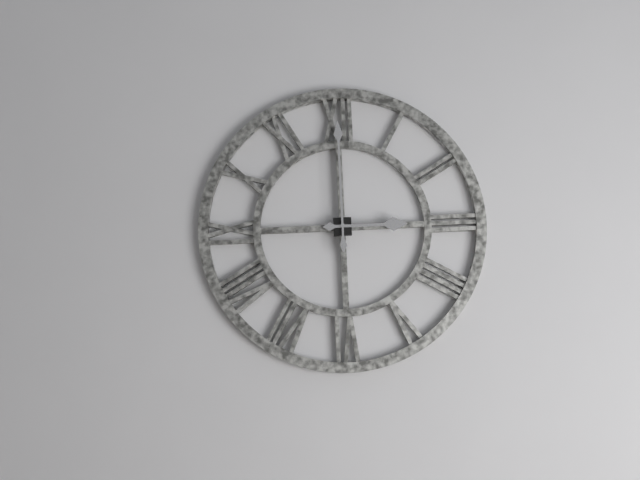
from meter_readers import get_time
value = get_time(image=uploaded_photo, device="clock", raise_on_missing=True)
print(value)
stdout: 3:00
